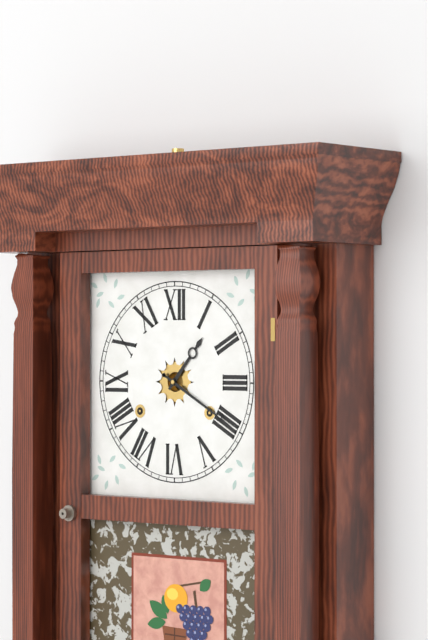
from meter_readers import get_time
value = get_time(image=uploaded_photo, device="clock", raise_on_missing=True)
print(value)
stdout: 1:20
